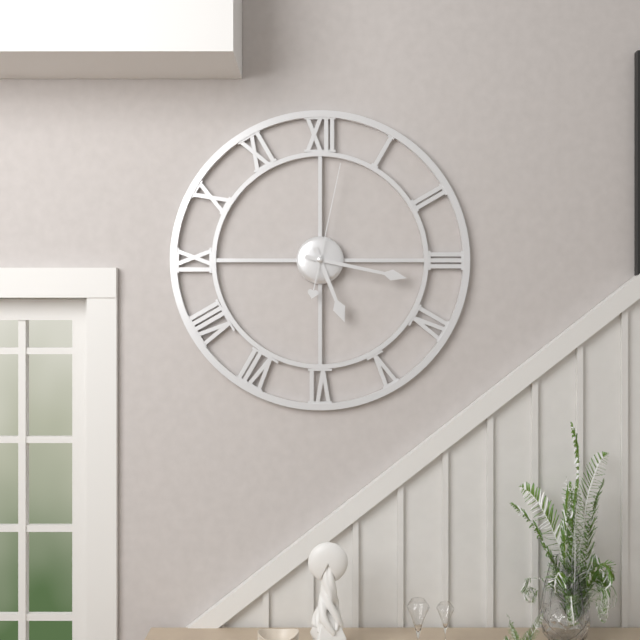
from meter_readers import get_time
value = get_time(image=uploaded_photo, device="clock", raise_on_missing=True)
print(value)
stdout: 5:17:02
